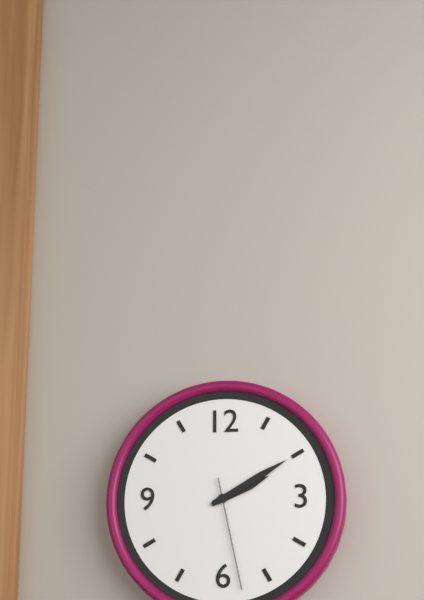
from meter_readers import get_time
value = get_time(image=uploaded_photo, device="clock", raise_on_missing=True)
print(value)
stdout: 2:10:28
